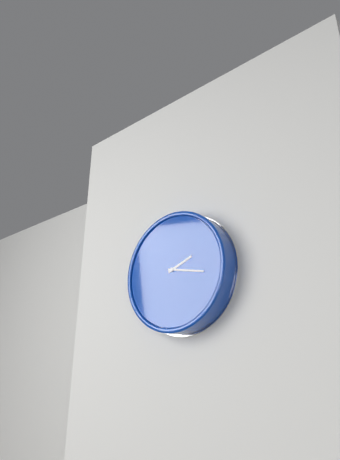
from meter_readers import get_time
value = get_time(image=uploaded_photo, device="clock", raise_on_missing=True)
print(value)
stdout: 2:17
